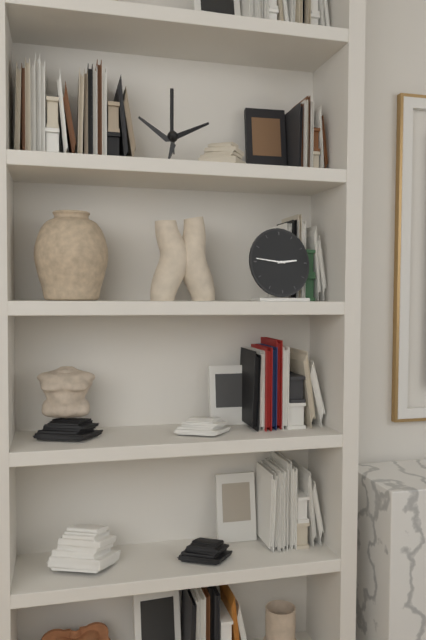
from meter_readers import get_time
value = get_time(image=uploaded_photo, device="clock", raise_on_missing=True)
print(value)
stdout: 2:46
